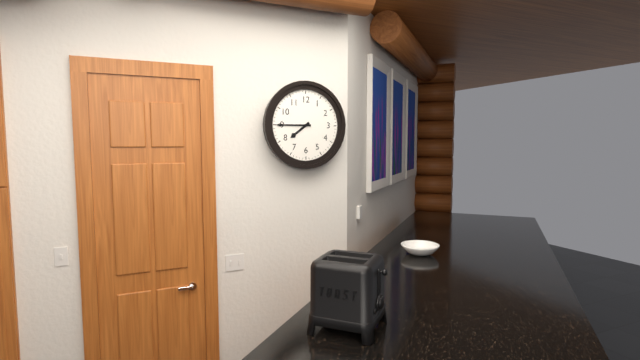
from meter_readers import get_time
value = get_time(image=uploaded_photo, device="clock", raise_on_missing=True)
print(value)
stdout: 7:45
